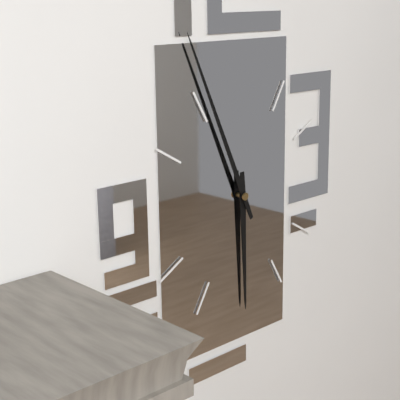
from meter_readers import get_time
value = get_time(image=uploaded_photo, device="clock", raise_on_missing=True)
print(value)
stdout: 5:56
